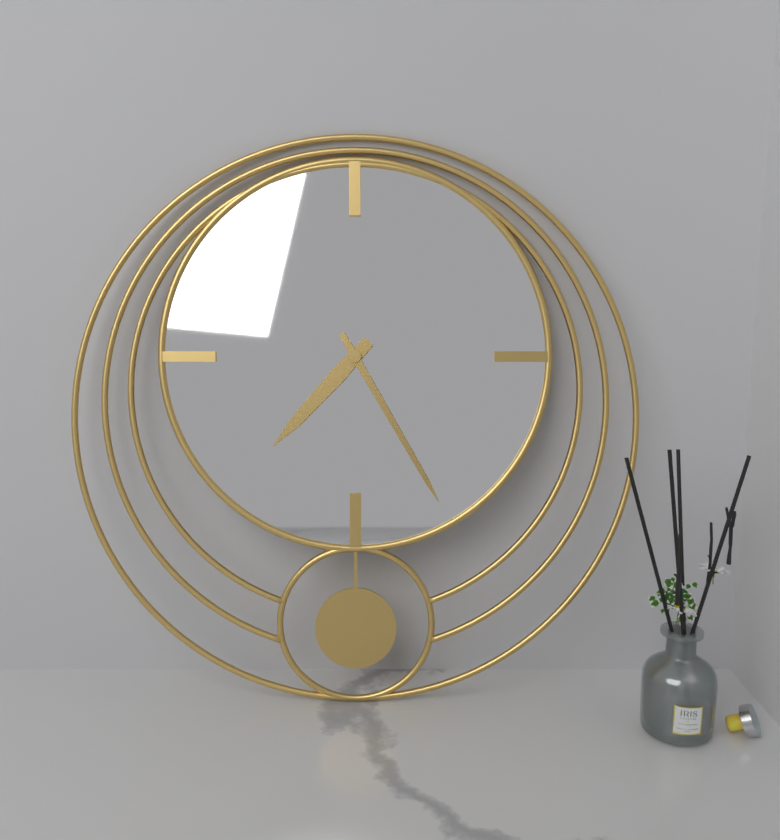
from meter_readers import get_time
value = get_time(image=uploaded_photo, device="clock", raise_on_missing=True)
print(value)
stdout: 7:25
